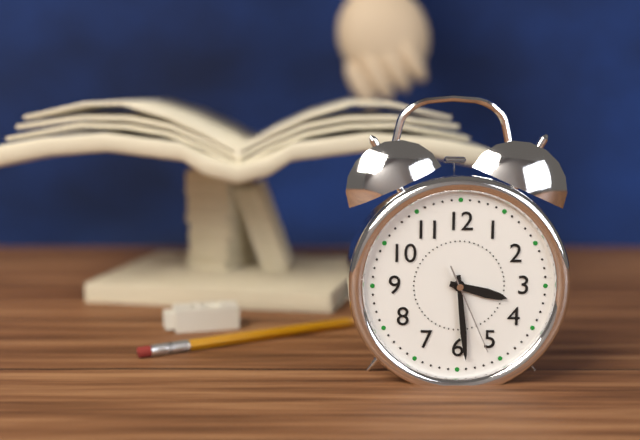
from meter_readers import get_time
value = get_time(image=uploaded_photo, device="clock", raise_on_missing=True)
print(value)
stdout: 3:29:26
